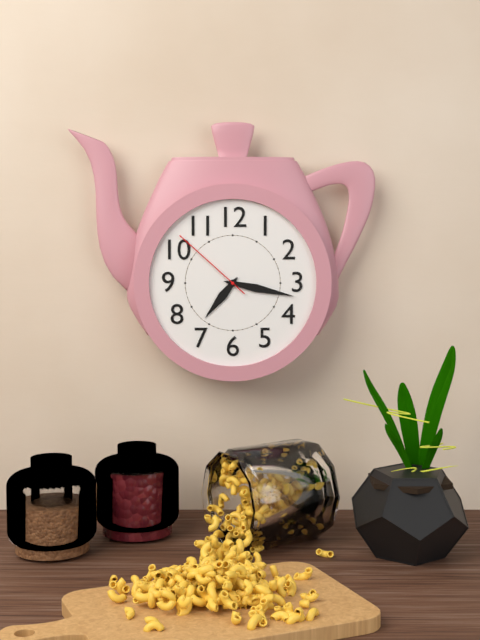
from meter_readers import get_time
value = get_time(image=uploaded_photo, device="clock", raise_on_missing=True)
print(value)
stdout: 7:17:52
